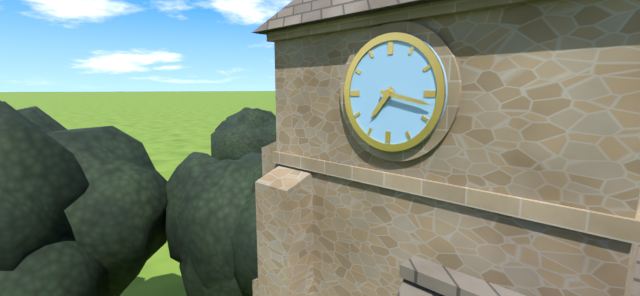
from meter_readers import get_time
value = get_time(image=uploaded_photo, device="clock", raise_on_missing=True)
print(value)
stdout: 7:17
